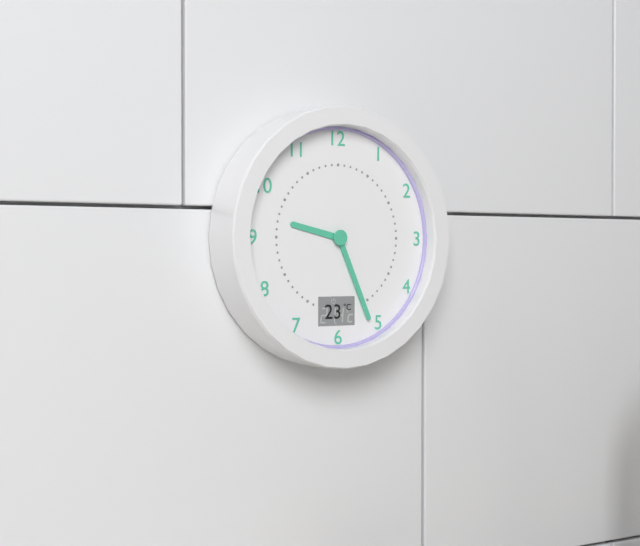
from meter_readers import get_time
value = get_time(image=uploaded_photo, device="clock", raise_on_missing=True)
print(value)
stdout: 9:26
